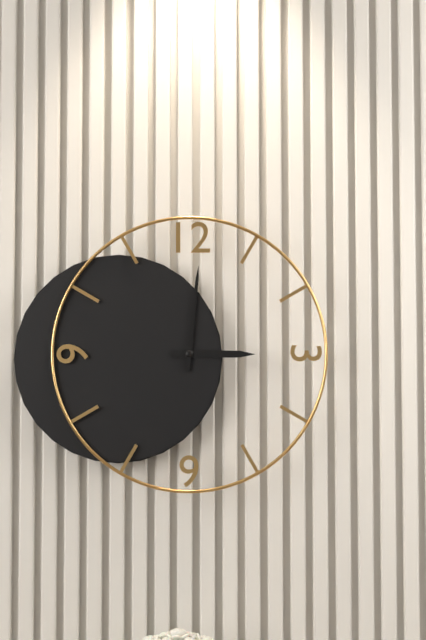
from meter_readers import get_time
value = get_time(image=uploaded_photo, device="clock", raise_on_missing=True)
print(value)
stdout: 3:01
